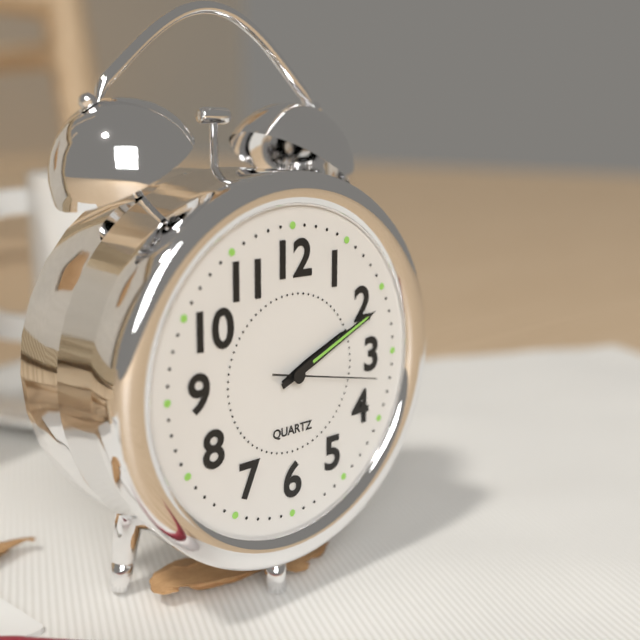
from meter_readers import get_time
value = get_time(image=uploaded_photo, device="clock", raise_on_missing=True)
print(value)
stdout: 2:11:17
